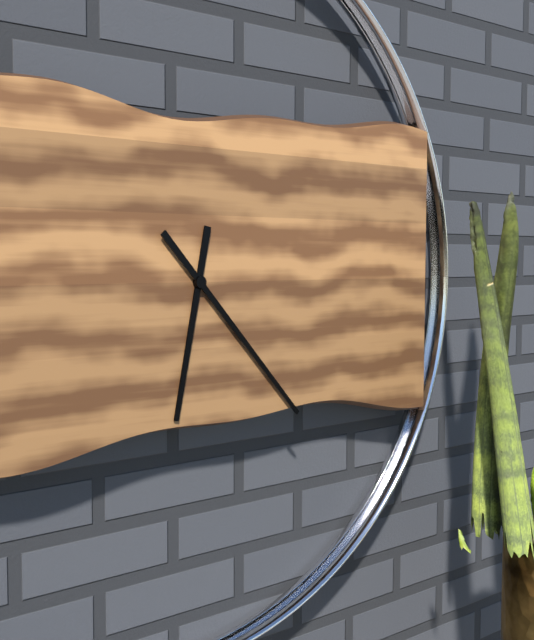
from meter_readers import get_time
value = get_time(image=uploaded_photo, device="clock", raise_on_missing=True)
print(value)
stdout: 6:23
